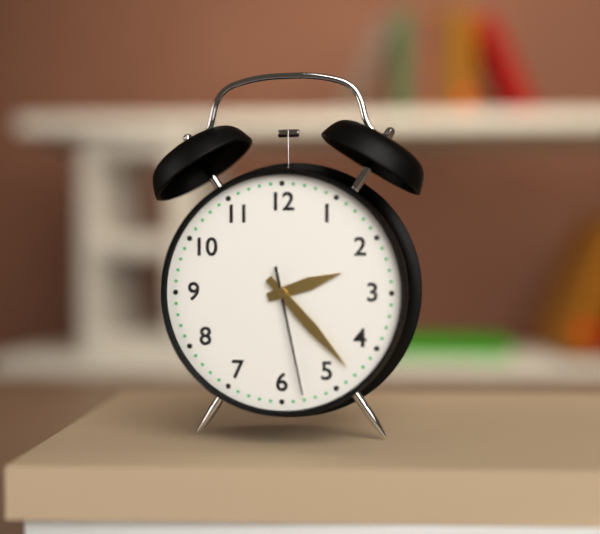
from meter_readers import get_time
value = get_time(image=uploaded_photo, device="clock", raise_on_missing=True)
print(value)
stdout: 2:23:28
